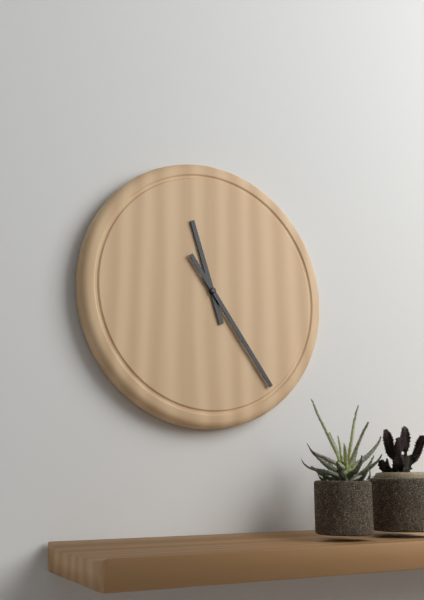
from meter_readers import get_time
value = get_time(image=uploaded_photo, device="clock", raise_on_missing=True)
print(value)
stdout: 11:24
